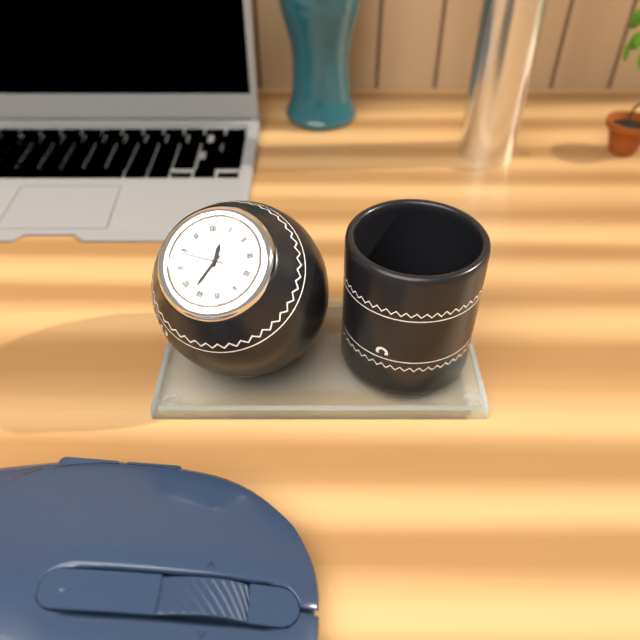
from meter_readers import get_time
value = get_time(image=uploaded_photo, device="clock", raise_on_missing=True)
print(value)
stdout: 12:37
